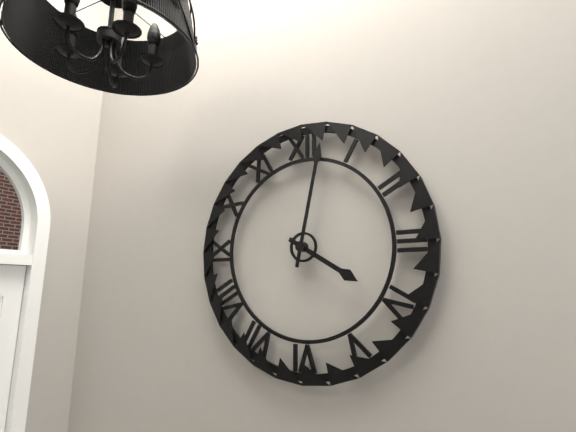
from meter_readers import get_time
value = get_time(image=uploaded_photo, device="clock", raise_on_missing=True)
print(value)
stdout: 4:02
